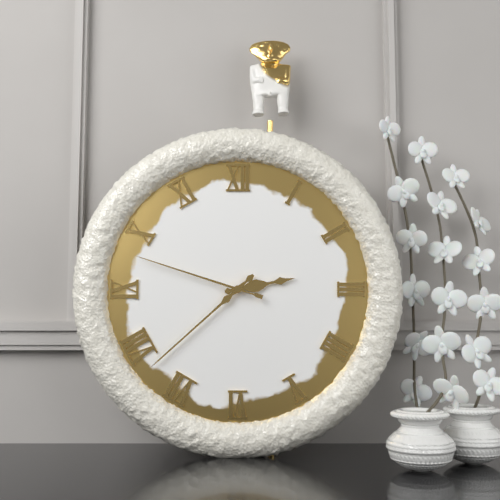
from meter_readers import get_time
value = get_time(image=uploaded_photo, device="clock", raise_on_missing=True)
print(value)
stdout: 2:38:48
